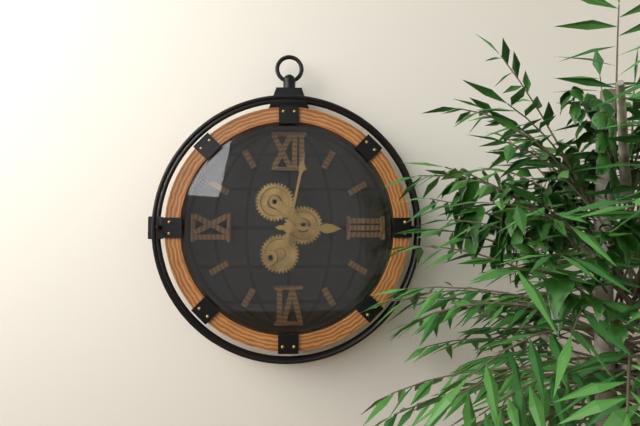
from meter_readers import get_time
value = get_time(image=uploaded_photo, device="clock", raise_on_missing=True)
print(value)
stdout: 3:02
